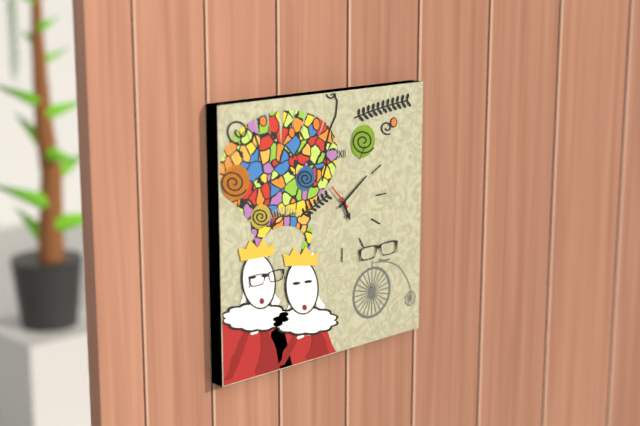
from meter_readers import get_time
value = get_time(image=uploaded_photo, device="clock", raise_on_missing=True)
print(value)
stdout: 5:09
